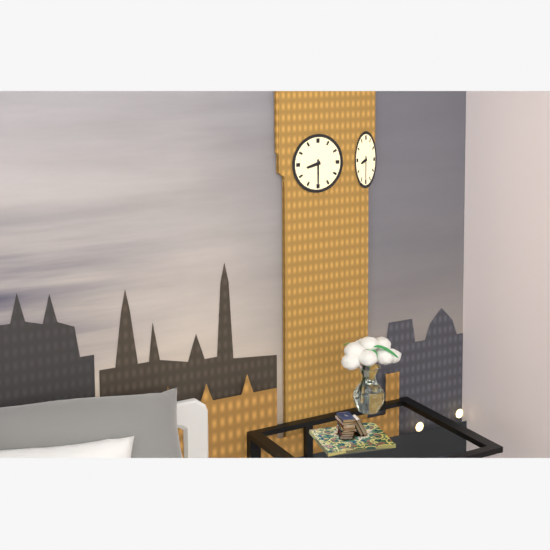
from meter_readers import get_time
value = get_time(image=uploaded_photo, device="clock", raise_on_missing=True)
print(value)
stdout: 8:30
